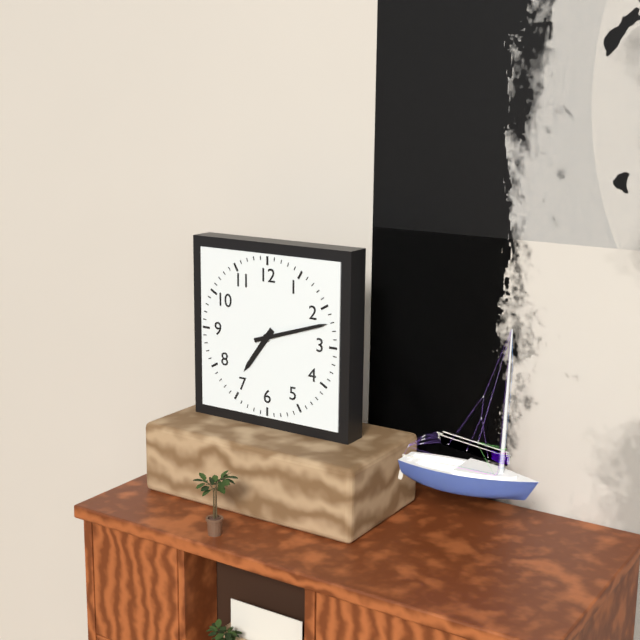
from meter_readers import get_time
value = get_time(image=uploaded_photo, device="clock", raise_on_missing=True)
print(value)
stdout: 7:12
